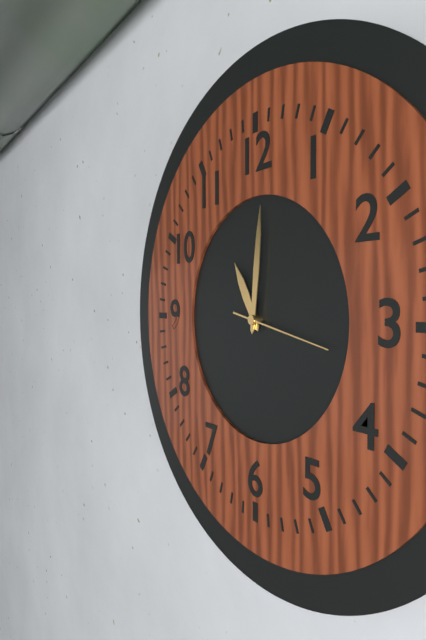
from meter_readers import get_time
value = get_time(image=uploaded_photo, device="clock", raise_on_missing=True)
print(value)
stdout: 11:01:17
